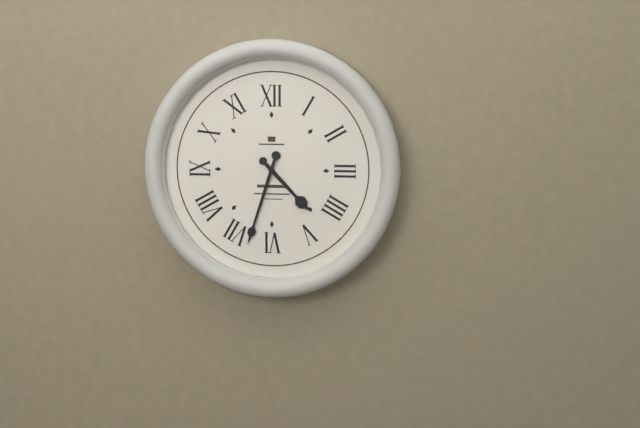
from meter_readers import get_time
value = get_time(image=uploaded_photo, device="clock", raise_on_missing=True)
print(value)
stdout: 4:33
